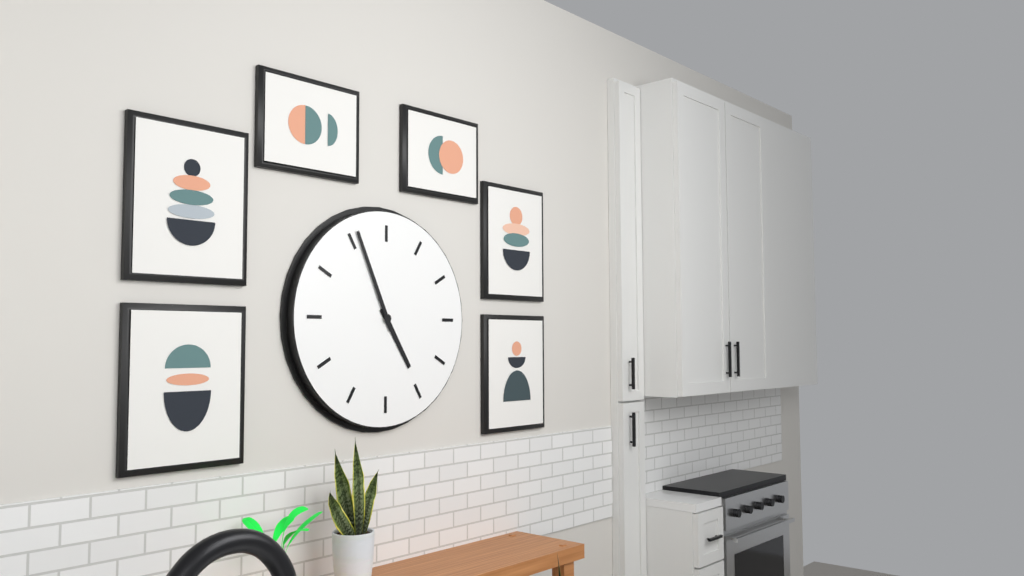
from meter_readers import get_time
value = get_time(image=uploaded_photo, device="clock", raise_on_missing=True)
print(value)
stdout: 4:56
